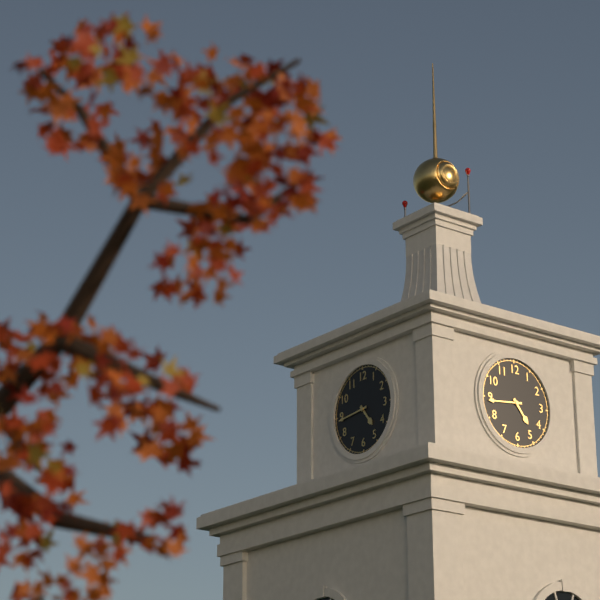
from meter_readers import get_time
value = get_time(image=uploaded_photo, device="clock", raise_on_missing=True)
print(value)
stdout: 4:44
